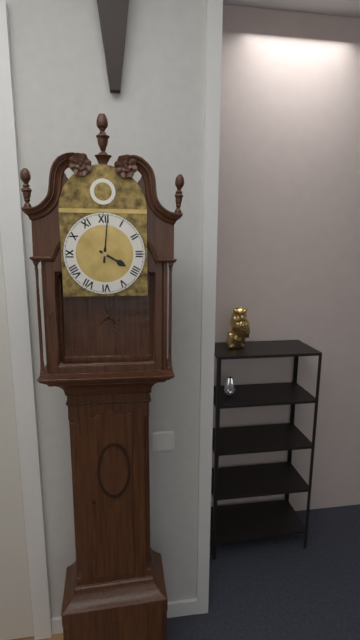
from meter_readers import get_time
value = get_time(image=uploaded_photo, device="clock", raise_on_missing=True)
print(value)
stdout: 4:01
